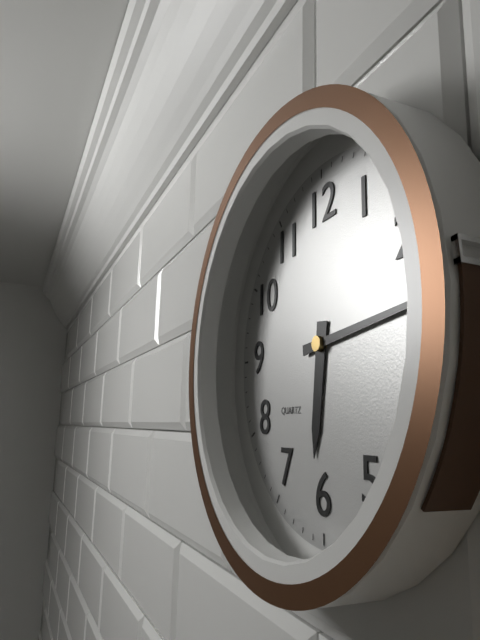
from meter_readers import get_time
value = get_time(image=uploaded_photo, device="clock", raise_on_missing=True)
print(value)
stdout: 6:14
